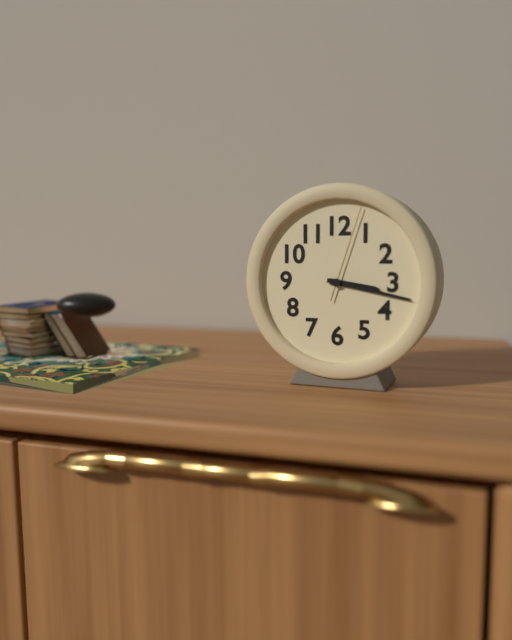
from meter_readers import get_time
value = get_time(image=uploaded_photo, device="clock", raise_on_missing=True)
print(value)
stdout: 3:17:03
